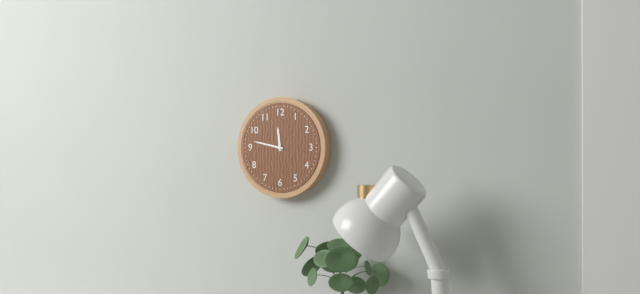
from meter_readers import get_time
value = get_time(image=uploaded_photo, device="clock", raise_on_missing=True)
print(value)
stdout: 11:47
